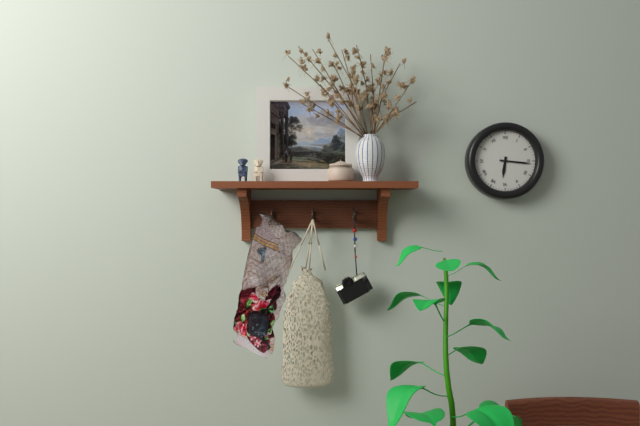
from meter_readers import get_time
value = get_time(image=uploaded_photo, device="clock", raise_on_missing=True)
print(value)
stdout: 6:16
